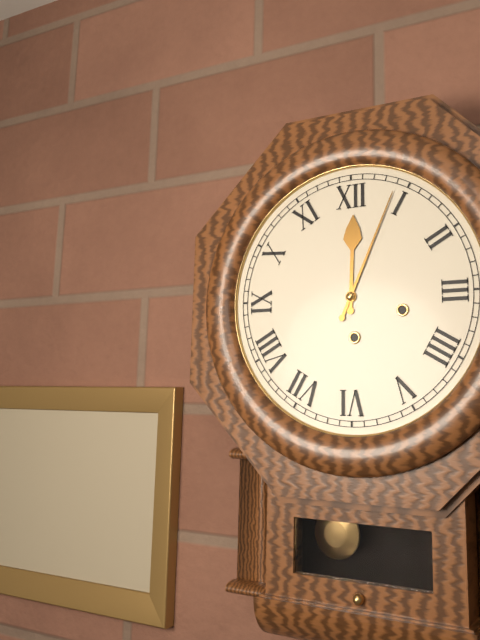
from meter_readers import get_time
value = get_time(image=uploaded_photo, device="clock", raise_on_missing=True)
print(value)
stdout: 12:04
